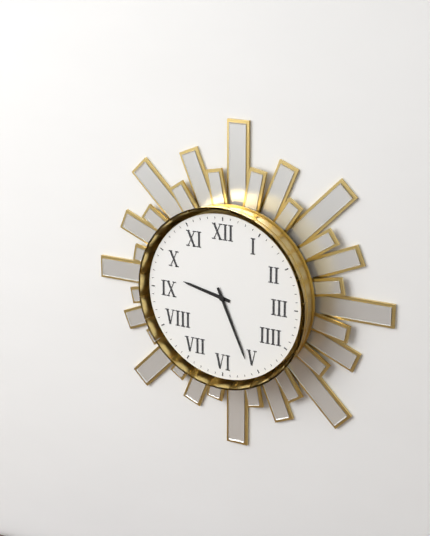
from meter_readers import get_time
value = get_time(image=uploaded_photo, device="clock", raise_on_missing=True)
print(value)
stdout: 9:26
